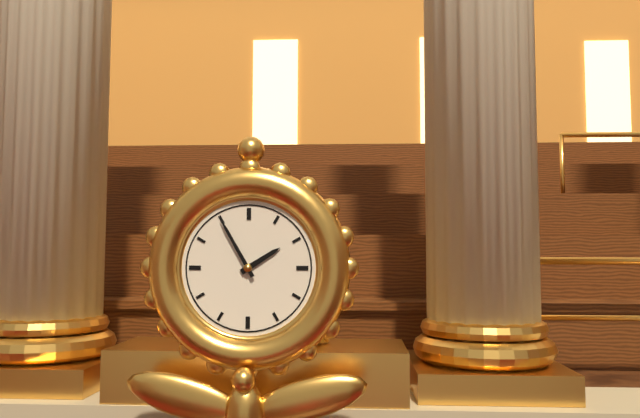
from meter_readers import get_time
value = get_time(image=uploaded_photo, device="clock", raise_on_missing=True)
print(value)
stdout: 1:55
